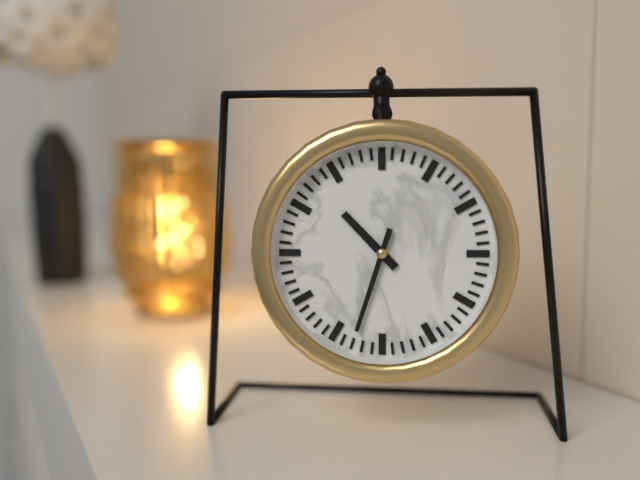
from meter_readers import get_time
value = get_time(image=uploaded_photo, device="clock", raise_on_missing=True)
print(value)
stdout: 10:33
